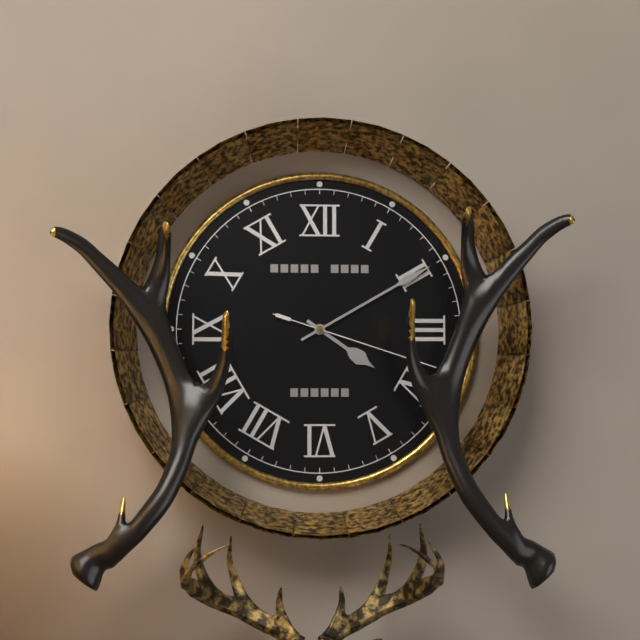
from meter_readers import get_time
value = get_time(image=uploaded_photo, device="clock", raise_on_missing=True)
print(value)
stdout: 4:10:18
